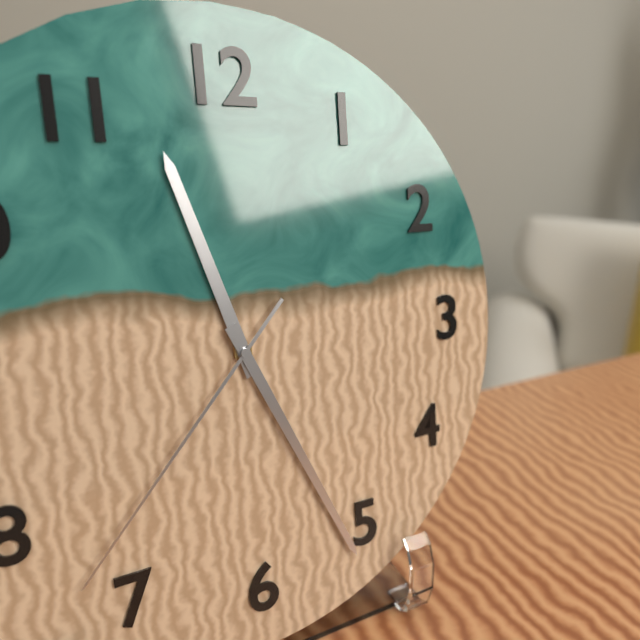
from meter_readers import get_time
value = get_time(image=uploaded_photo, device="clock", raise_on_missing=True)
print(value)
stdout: 11:26:37
